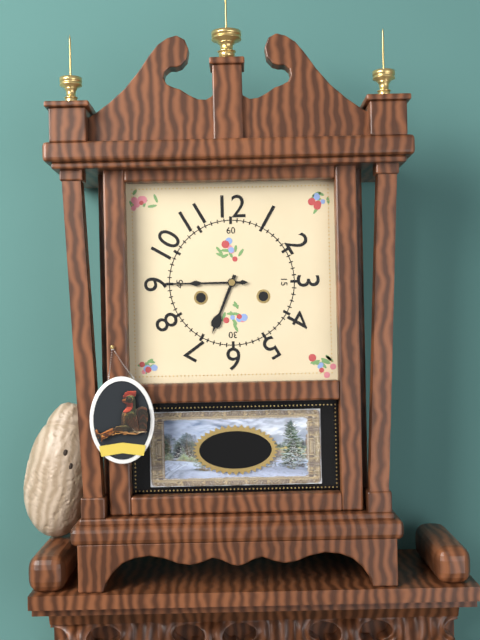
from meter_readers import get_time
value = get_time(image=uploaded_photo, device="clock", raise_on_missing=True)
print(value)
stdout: 6:45
